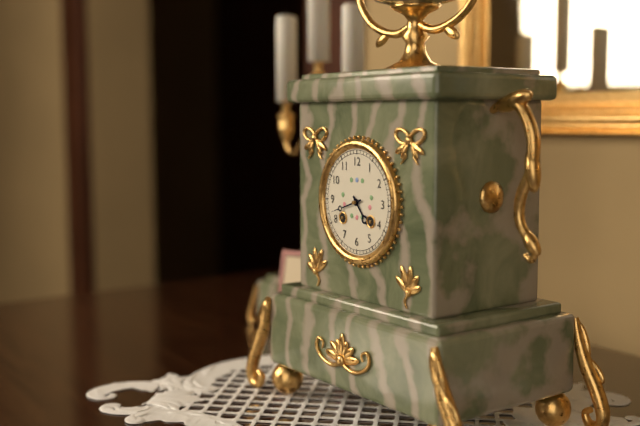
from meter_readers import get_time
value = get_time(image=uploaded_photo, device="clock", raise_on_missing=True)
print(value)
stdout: 4:42
